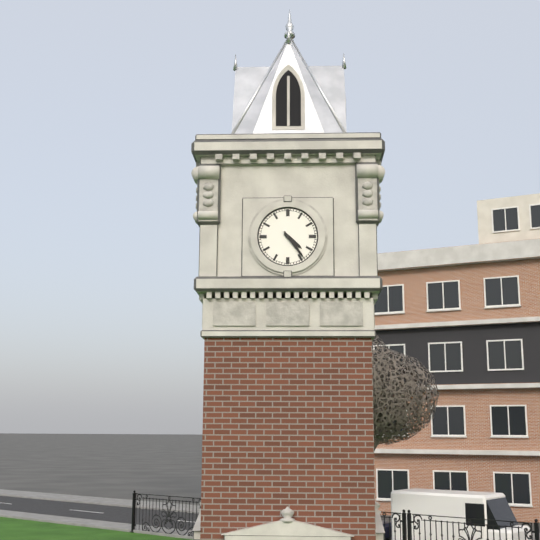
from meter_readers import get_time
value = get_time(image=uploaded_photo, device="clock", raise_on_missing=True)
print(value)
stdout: 4:24
